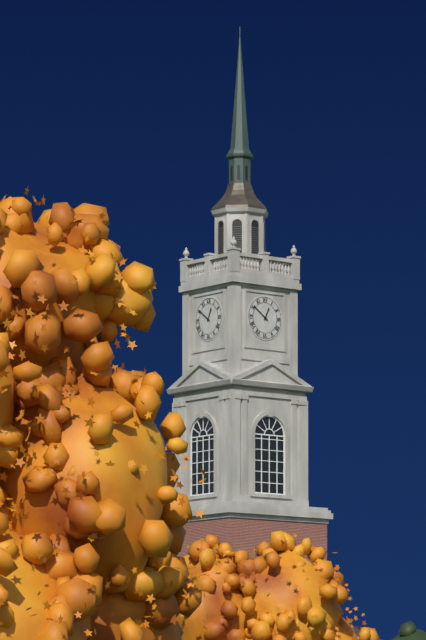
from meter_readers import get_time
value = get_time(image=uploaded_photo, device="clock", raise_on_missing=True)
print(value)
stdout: 12:51
